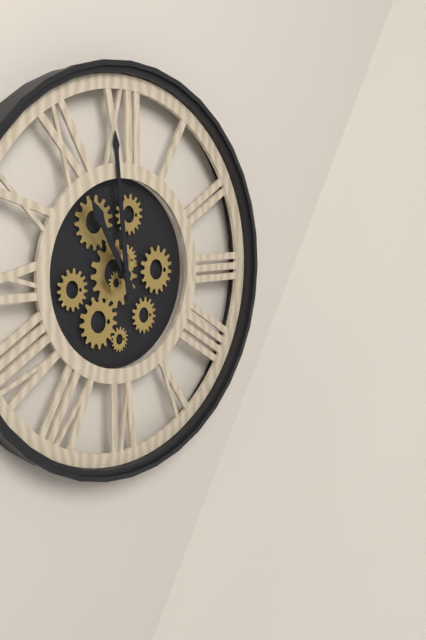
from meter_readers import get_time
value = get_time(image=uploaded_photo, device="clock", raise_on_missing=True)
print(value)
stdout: 10:59
